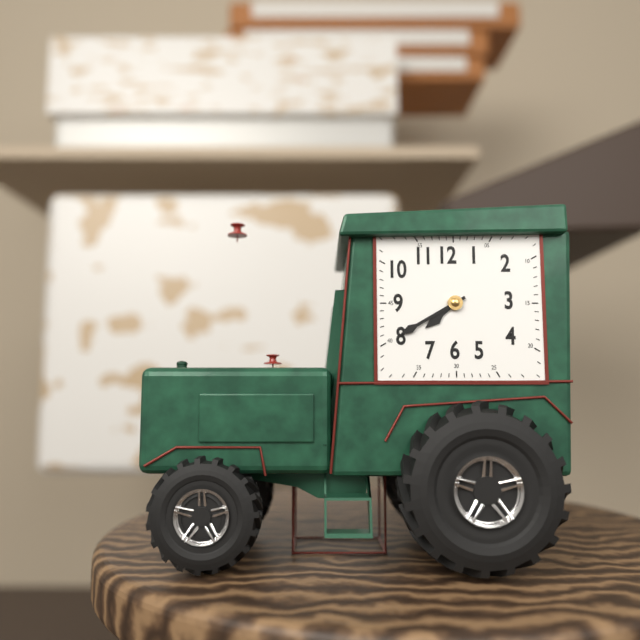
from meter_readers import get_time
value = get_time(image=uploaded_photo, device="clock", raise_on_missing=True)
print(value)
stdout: 7:40
